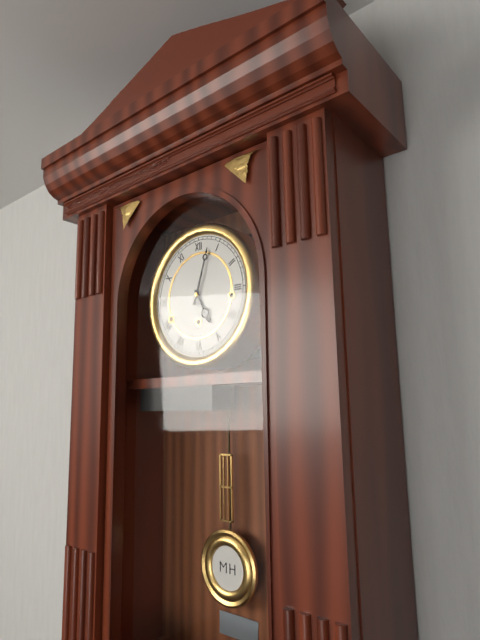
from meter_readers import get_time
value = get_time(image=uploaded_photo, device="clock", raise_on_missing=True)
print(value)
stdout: 5:03
